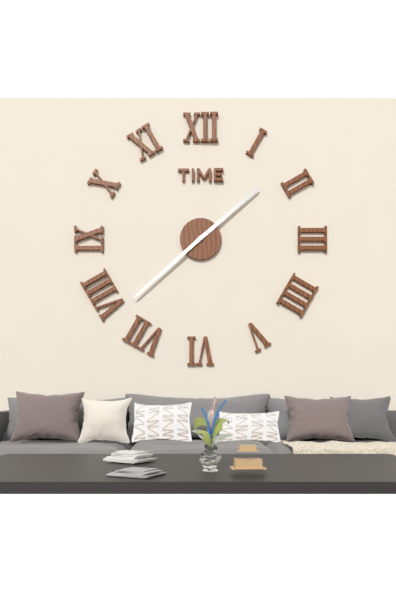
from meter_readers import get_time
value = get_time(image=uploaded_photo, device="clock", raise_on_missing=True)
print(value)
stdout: 1:38
